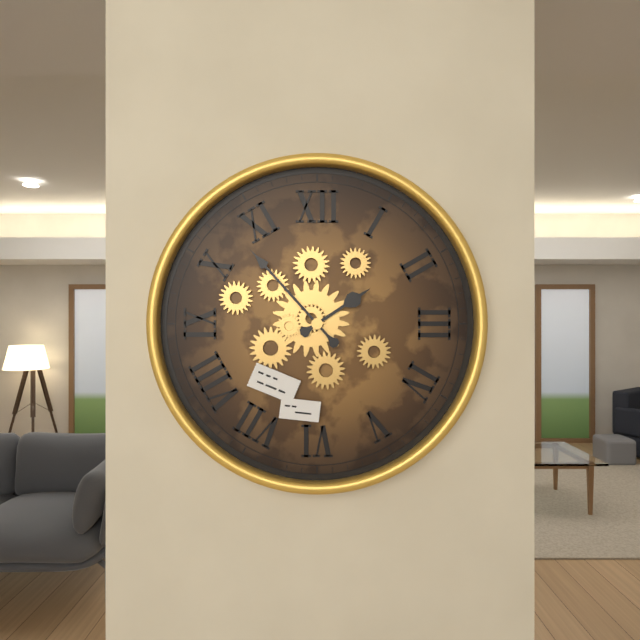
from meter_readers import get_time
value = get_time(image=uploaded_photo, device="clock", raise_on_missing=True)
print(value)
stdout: 1:53
